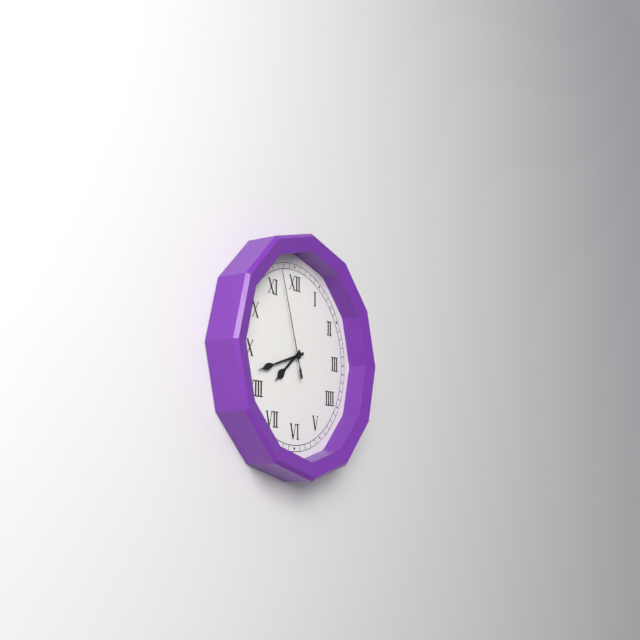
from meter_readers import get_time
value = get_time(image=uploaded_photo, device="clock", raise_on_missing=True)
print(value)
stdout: 7:42:57
